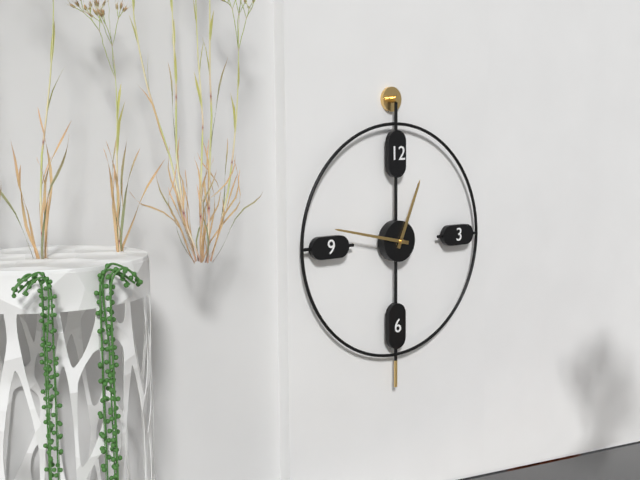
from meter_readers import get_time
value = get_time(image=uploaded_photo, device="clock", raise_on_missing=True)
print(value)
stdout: 12:47
